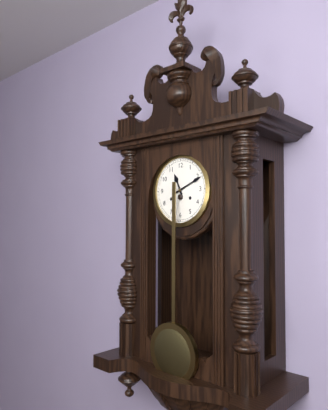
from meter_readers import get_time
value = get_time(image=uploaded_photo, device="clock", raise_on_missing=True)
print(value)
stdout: 11:11
